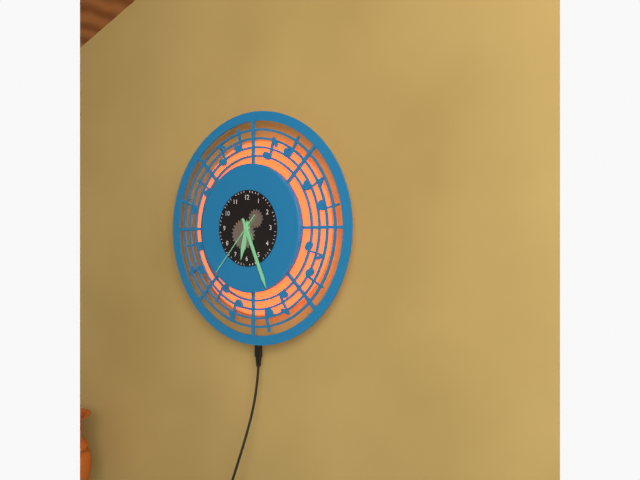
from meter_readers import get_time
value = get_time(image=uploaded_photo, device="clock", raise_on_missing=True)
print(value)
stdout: 6:26:37
